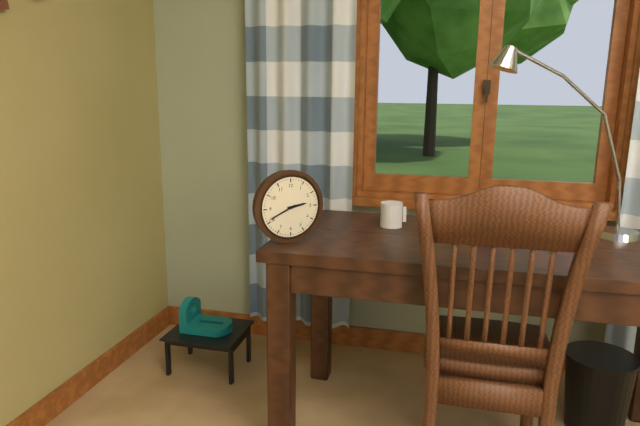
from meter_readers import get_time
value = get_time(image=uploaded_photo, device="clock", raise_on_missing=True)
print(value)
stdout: 2:41
